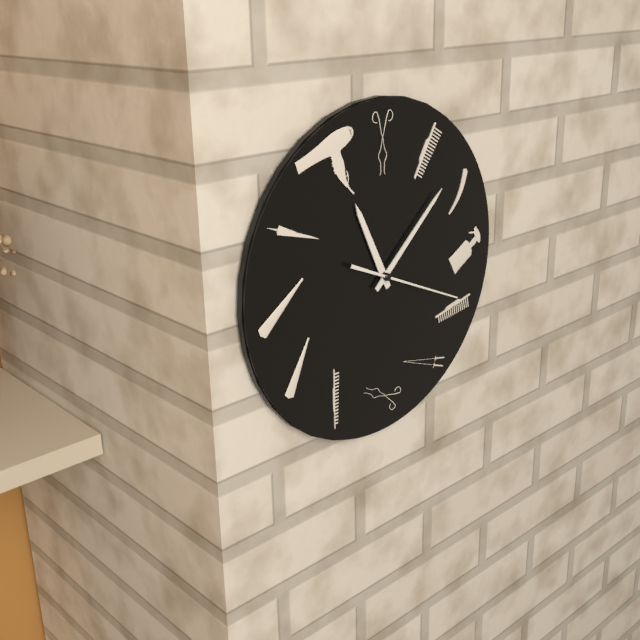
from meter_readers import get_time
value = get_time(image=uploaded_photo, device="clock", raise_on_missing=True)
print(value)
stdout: 11:08:19
